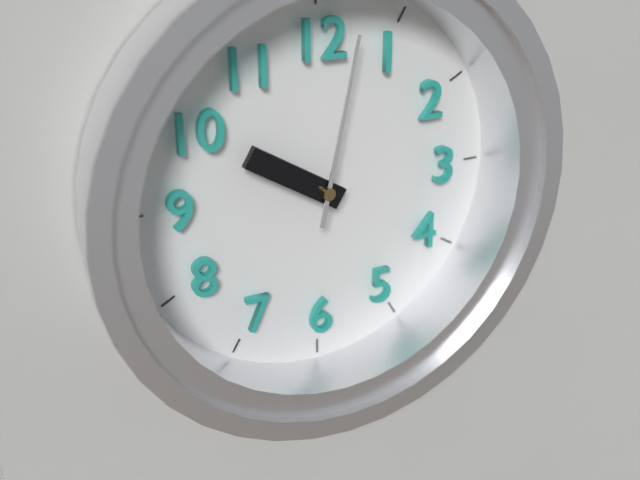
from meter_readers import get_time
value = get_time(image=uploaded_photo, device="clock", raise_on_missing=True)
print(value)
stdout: 10:02
